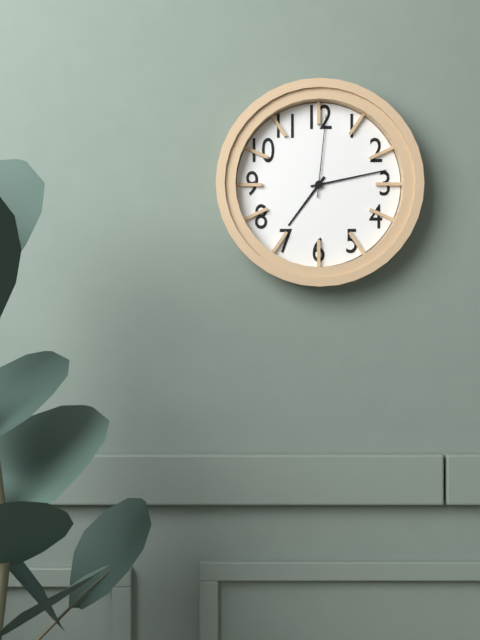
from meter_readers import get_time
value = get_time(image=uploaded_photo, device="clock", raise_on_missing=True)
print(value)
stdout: 7:13:01
